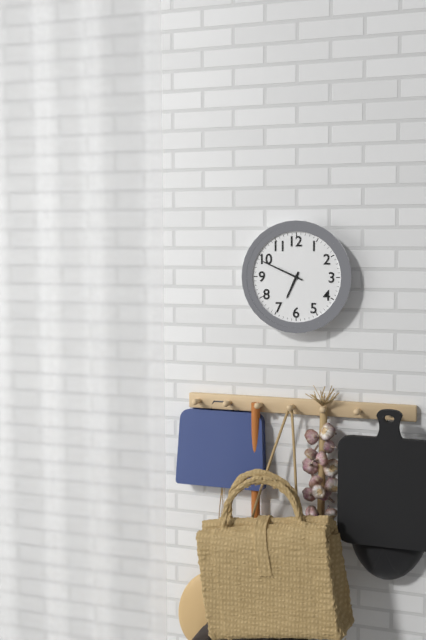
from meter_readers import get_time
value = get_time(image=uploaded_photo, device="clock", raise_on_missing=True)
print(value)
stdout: 6:49
